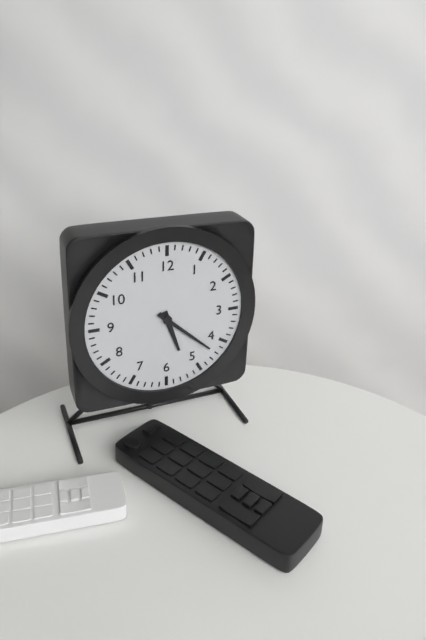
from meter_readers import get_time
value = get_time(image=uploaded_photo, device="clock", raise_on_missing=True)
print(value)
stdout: 5:22
